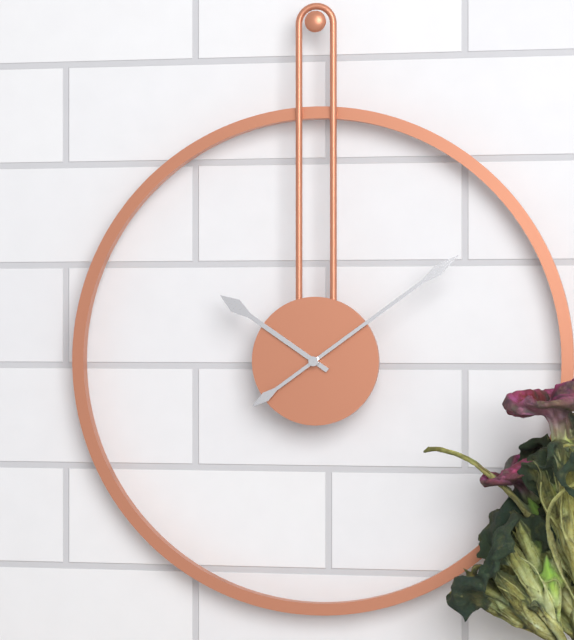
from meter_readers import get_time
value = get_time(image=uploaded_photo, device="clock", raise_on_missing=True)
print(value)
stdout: 10:09
